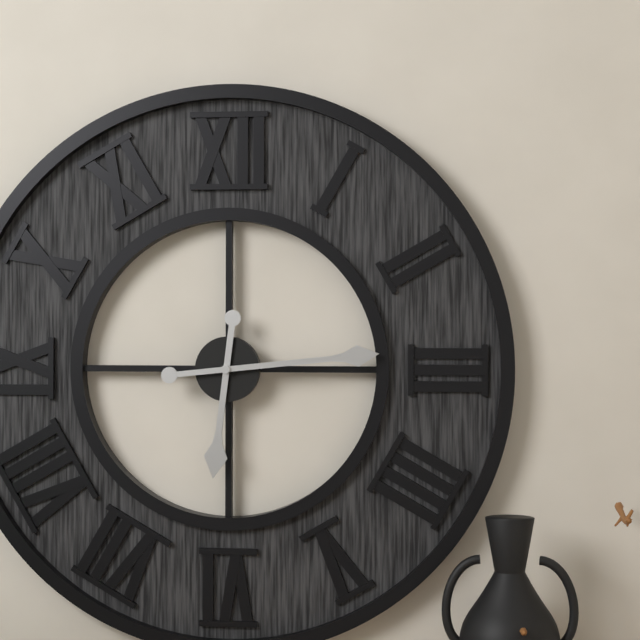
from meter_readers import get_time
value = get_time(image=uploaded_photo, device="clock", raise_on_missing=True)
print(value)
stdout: 6:14
